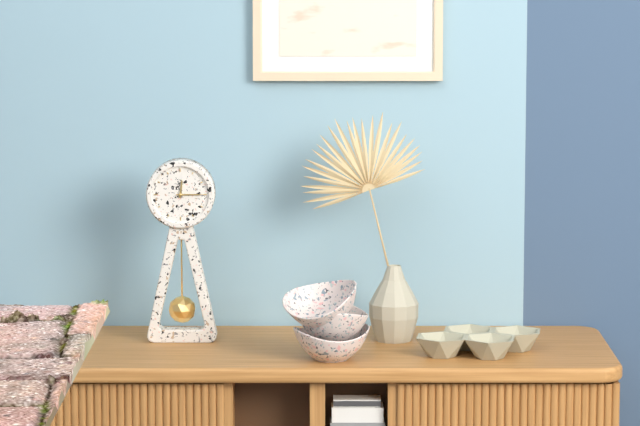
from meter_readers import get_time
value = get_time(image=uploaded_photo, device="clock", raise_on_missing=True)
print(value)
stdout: 12:15
